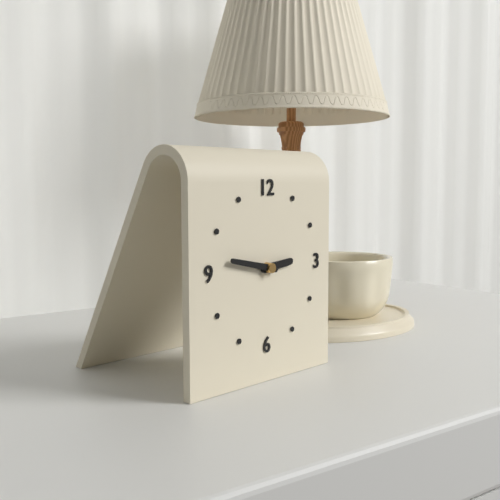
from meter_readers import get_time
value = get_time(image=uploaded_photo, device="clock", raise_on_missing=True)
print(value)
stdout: 2:47
